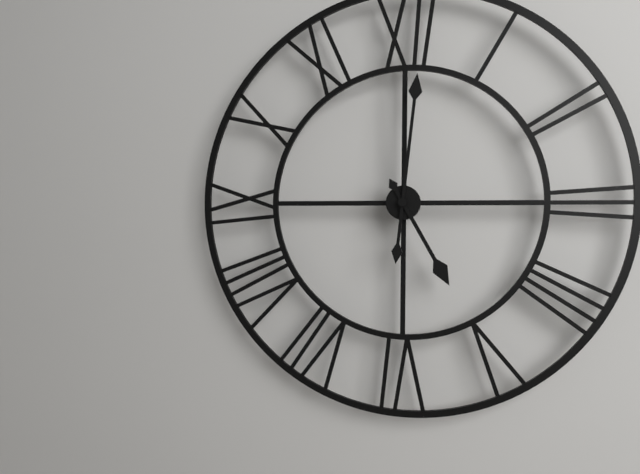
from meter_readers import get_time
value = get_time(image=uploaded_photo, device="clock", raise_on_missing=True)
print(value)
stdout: 5:01
